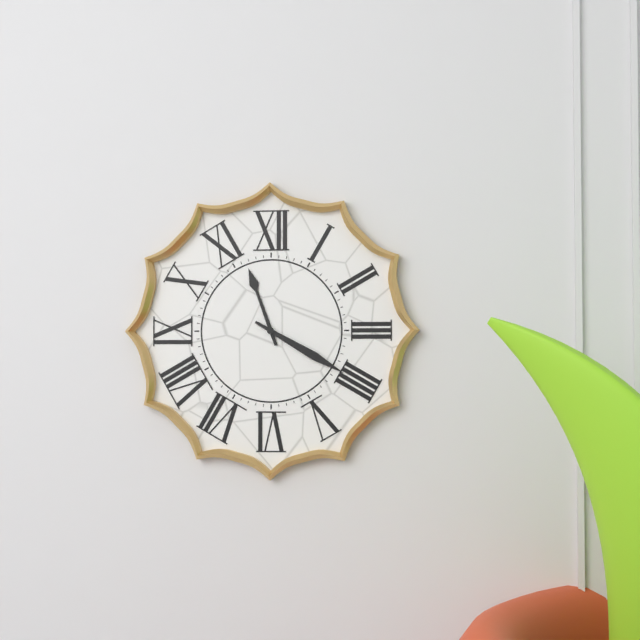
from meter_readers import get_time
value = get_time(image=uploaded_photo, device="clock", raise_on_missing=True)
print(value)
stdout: 11:20
